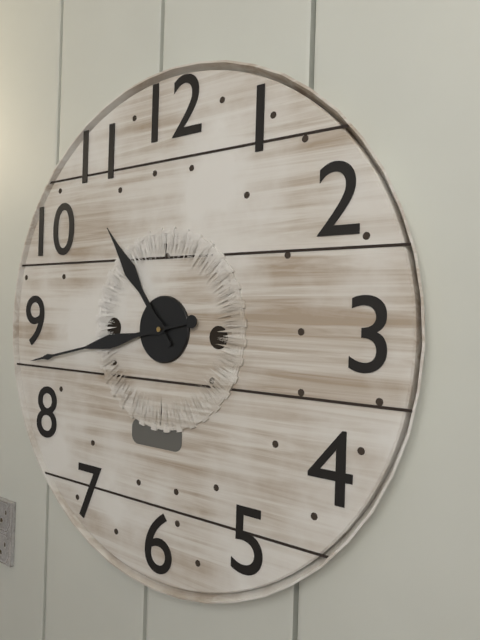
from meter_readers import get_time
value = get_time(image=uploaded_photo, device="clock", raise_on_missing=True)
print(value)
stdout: 10:43
